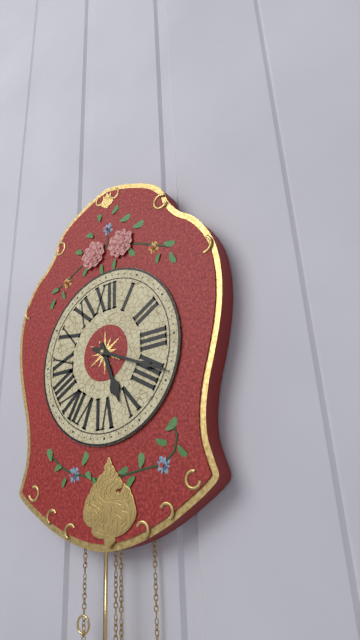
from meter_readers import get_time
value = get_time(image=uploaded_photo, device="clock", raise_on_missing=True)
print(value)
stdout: 5:19
